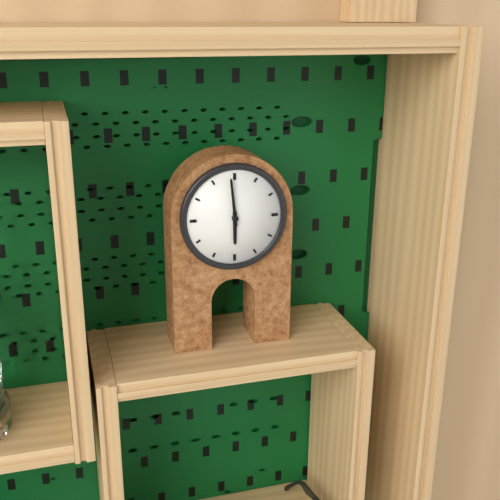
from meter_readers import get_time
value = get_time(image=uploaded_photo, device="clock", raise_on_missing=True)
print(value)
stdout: 5:59
